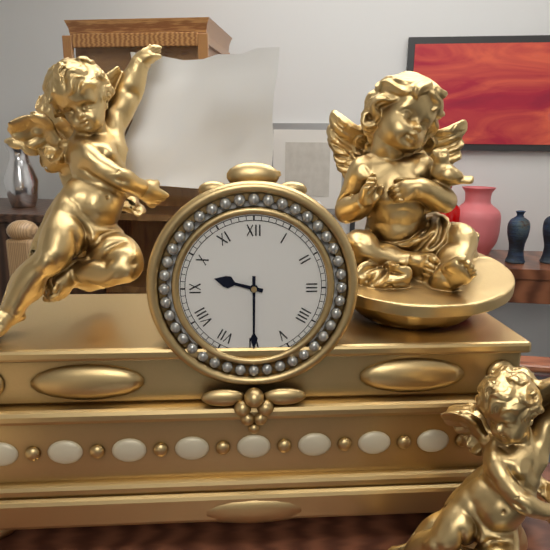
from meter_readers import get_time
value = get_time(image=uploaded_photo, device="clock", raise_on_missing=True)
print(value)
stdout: 9:30
